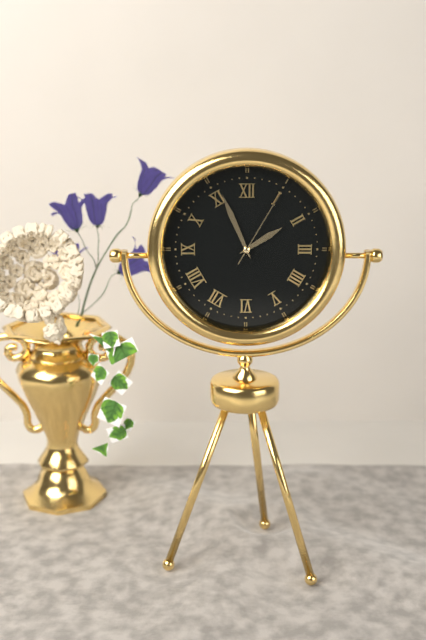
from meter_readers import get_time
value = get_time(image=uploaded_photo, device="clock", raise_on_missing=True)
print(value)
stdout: 1:56:05
